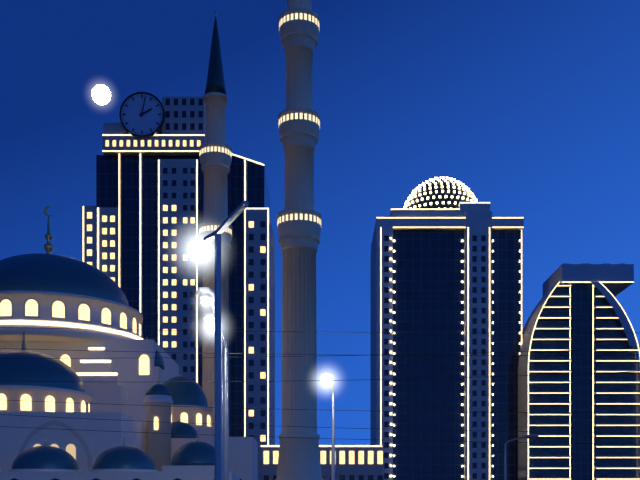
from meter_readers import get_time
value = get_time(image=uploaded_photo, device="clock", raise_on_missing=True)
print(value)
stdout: 2:02
